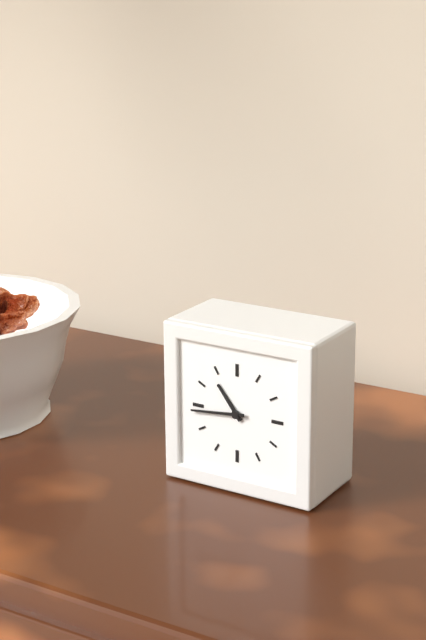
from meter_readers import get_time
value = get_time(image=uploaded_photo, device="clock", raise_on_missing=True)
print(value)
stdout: 10:44
